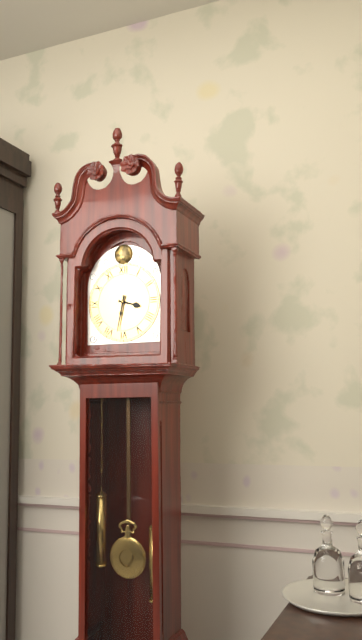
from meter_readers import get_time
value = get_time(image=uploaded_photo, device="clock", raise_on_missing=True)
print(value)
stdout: 3:32
